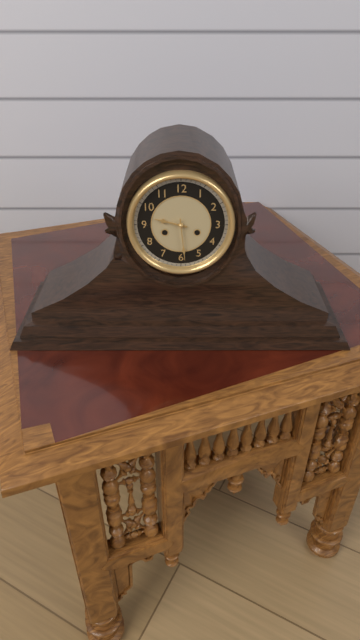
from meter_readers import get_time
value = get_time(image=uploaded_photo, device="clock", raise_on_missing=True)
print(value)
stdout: 9:29
